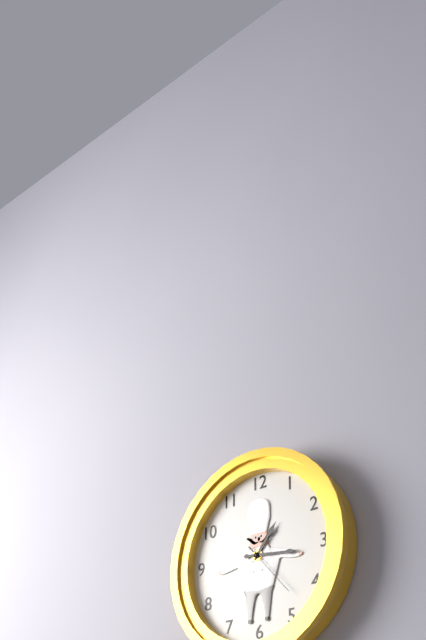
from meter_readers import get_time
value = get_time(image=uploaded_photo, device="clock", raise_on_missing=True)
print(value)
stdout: 1:16:23
